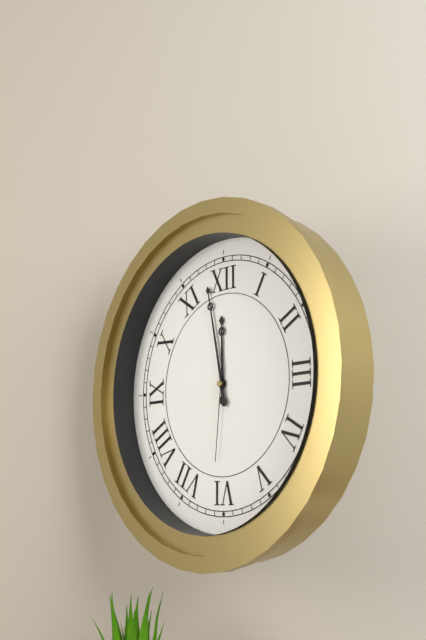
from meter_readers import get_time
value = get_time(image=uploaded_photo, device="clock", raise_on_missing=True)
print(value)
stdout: 11:58:31
